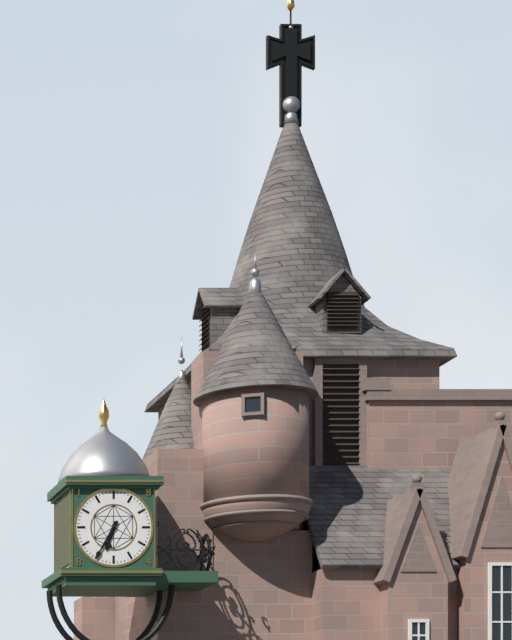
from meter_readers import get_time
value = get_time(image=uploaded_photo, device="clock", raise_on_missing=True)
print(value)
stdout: 6:35
